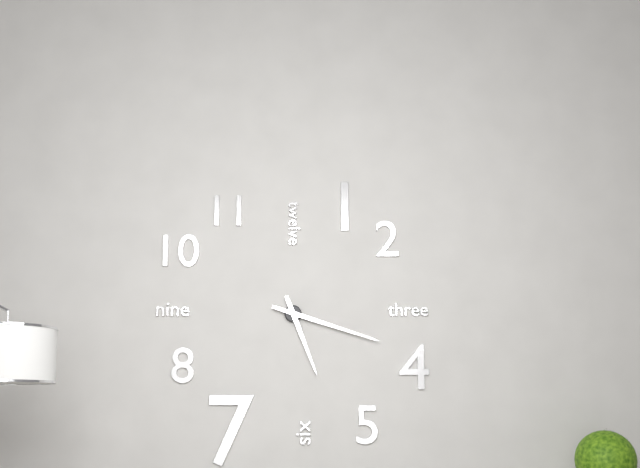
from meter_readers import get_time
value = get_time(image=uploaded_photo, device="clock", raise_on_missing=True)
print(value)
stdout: 5:18
